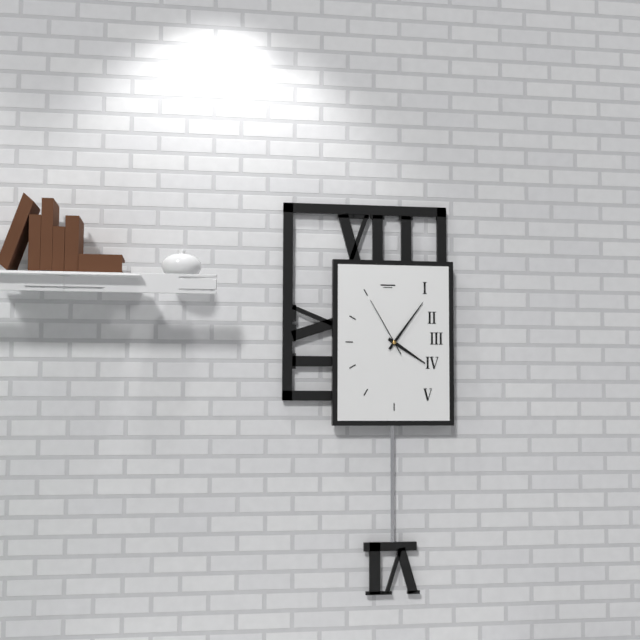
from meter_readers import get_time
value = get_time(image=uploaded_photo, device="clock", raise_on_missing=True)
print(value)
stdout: 4:06:55
